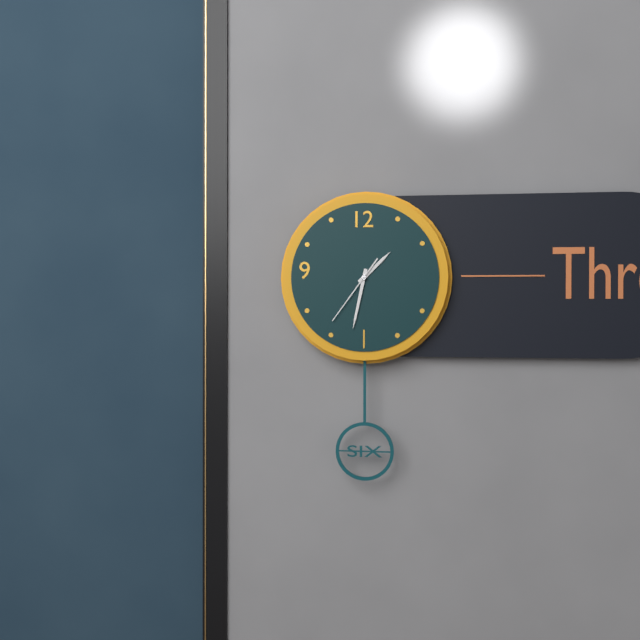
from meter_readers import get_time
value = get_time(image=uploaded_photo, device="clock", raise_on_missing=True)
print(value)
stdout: 1:32:36
